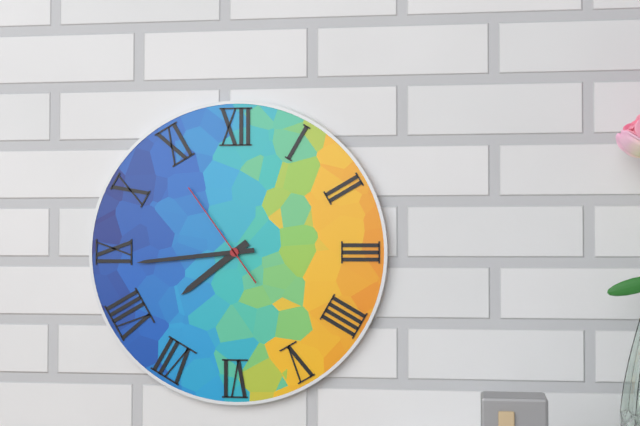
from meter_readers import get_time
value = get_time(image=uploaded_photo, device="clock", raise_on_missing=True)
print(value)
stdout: 7:44:54
